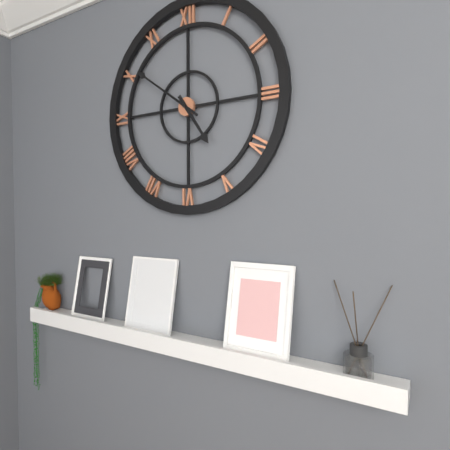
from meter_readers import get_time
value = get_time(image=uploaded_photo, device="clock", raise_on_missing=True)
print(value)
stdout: 4:51
